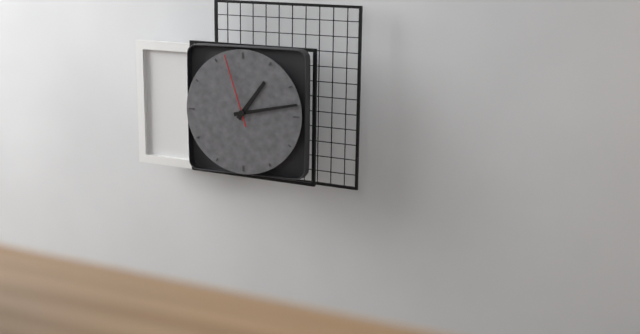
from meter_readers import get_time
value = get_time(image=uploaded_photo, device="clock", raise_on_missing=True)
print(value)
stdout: 1:13:57
